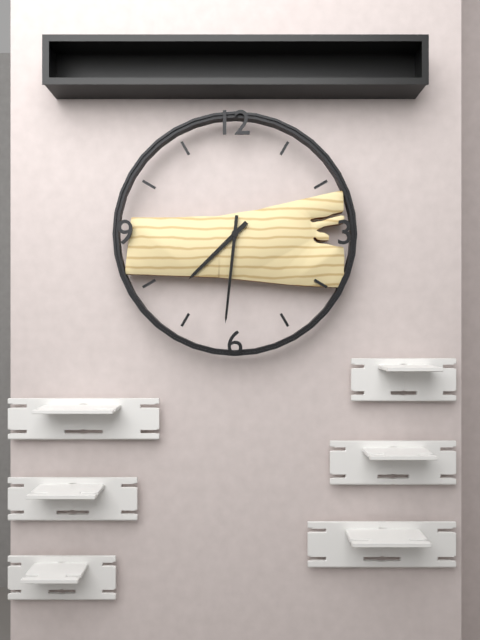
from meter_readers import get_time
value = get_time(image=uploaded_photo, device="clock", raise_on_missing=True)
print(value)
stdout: 7:31
